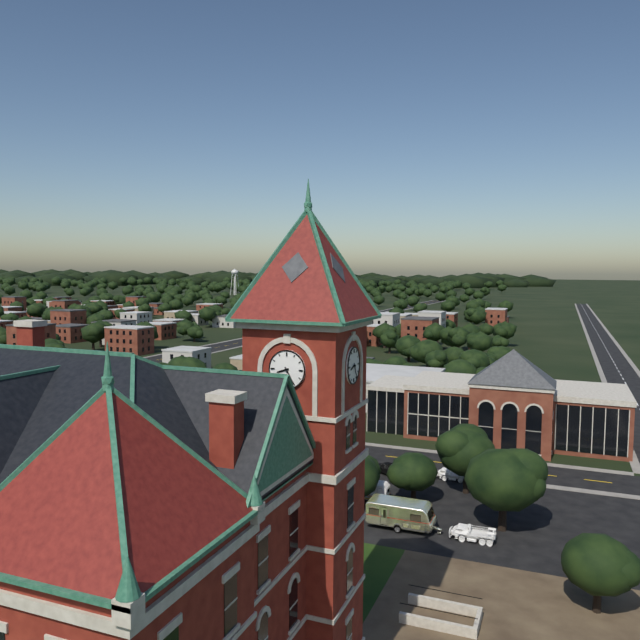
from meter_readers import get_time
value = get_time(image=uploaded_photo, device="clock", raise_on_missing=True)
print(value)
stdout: 8:25
